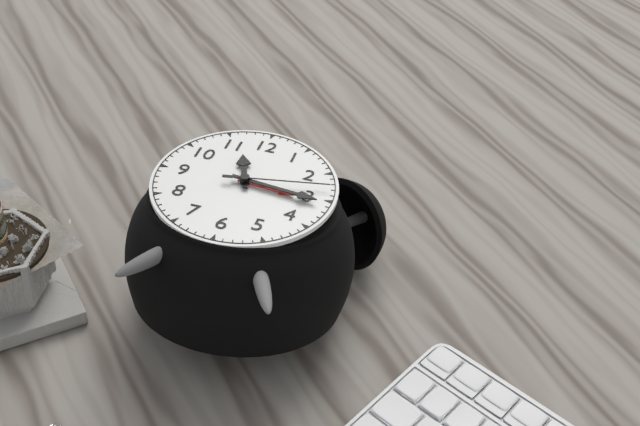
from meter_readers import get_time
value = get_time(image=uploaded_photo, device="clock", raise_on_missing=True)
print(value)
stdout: 11:16:13
